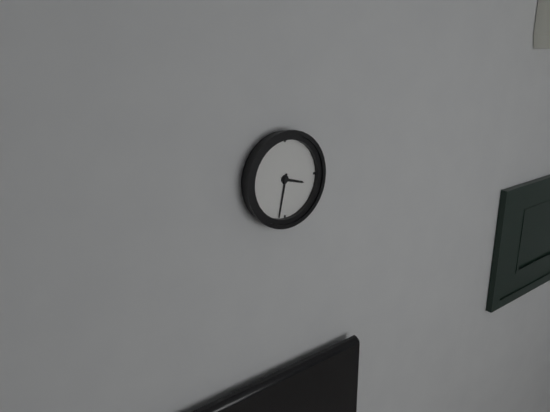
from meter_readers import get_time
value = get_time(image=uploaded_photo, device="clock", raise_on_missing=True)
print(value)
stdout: 3:32
